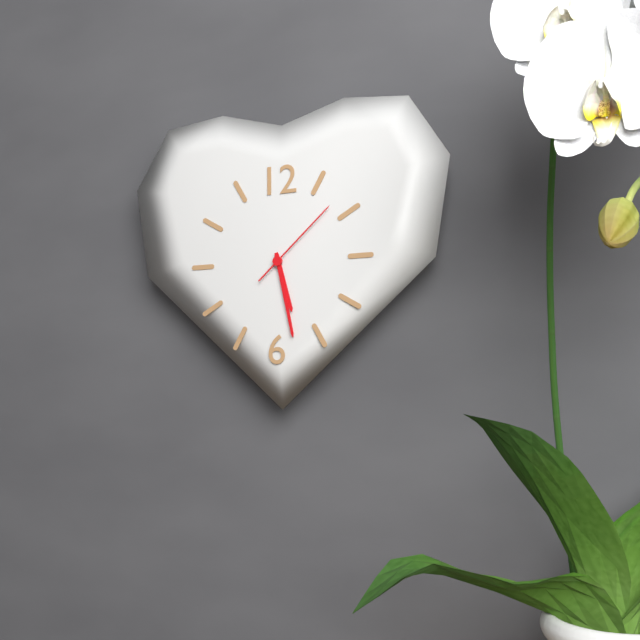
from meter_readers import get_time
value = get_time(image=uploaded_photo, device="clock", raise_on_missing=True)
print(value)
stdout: 5:28:08
